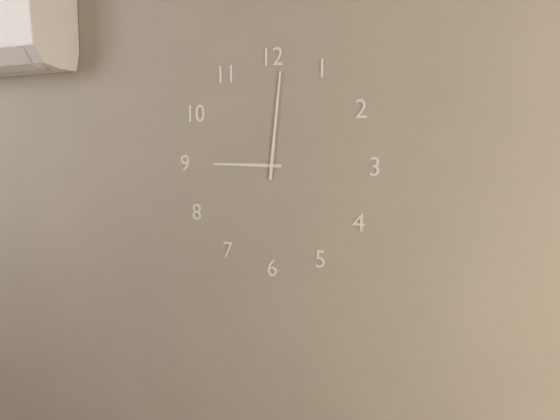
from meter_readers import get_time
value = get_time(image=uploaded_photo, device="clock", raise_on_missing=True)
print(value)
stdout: 9:01
